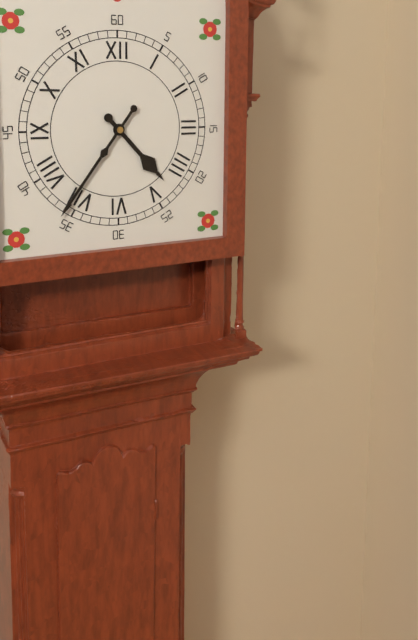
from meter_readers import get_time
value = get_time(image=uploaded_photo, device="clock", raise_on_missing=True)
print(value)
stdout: 4:36
